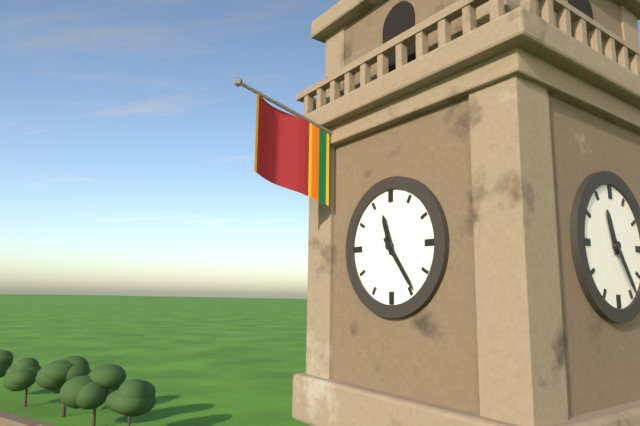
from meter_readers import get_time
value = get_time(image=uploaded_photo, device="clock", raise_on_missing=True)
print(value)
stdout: 11:24
